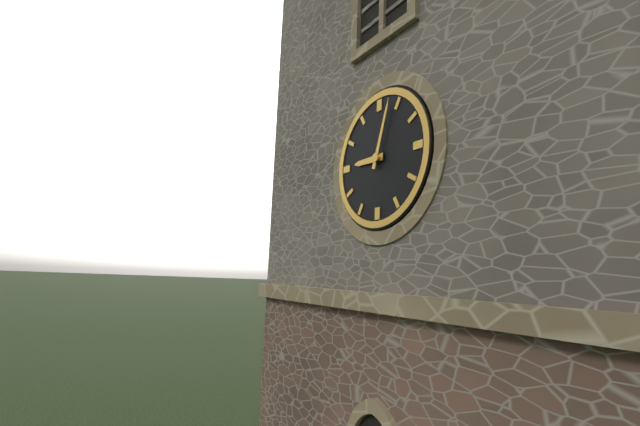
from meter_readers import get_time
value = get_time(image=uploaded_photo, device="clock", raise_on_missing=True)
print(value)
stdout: 9:03
